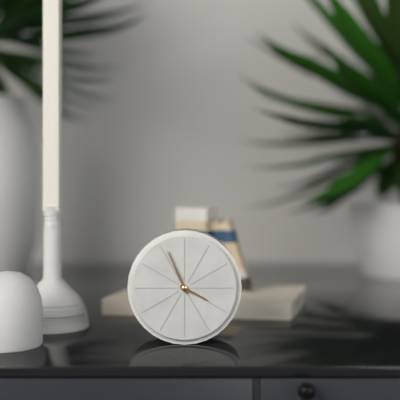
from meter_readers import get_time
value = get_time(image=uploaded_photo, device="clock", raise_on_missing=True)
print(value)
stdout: 3:56
